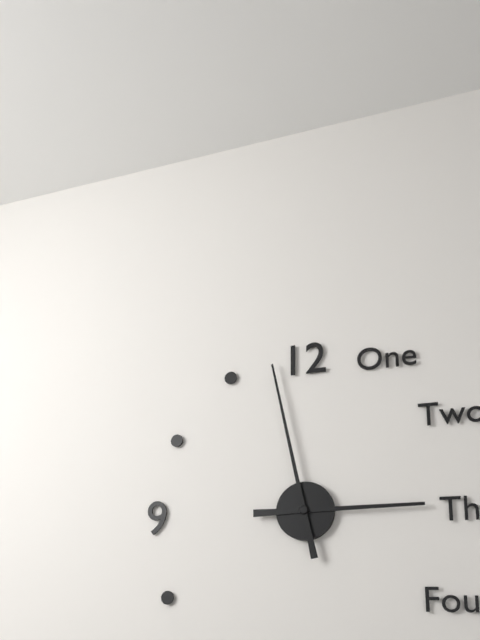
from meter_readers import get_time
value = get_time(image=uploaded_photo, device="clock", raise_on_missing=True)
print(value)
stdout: 2:58
